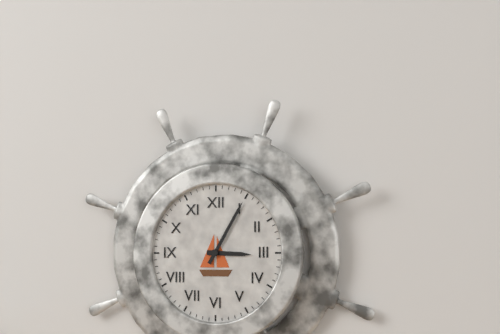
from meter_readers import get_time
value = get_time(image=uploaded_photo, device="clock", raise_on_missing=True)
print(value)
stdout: 3:05
